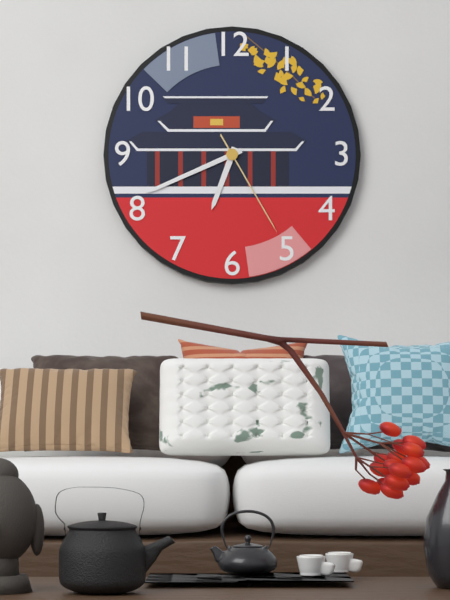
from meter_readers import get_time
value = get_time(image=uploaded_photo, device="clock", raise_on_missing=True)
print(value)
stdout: 6:41:25
